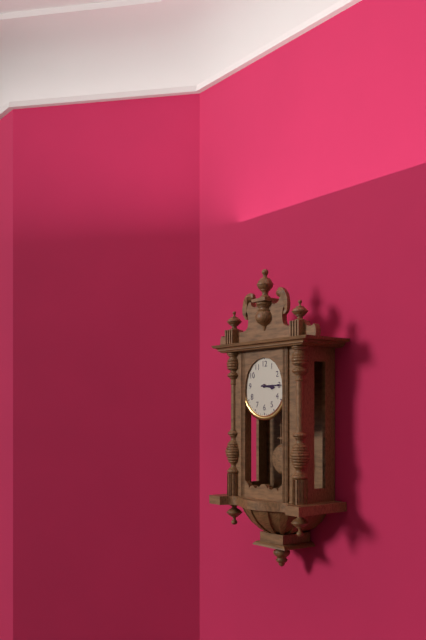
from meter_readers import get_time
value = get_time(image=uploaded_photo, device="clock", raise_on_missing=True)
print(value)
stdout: 3:15
